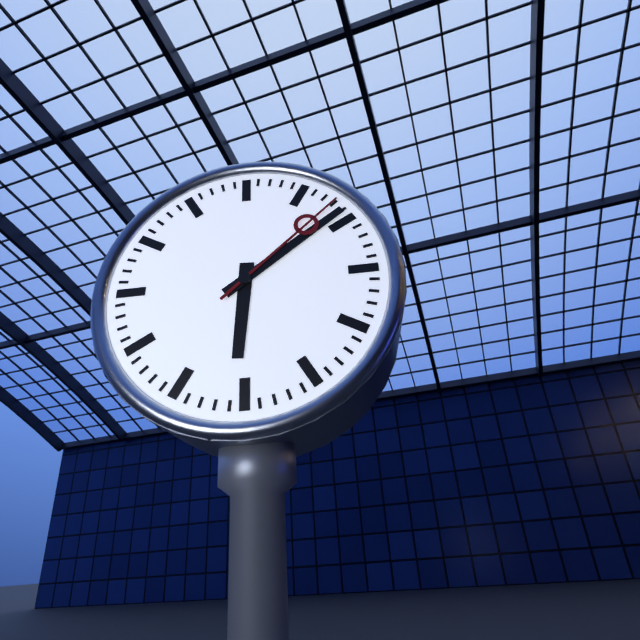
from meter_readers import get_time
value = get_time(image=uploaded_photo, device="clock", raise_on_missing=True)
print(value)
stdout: 6:09:08
